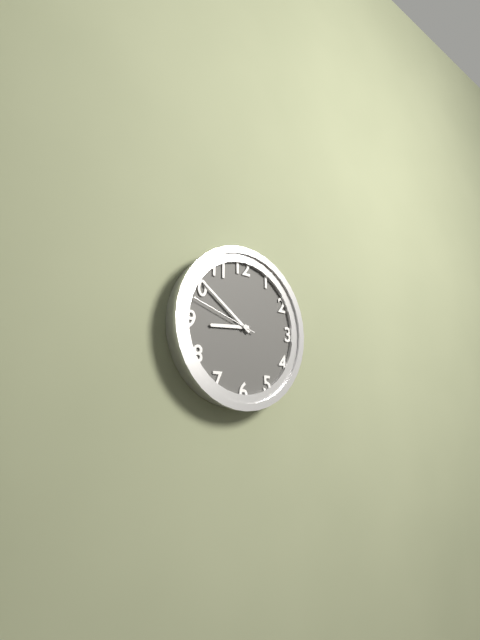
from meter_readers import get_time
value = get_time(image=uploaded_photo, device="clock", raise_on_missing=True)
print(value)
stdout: 8:51:48
